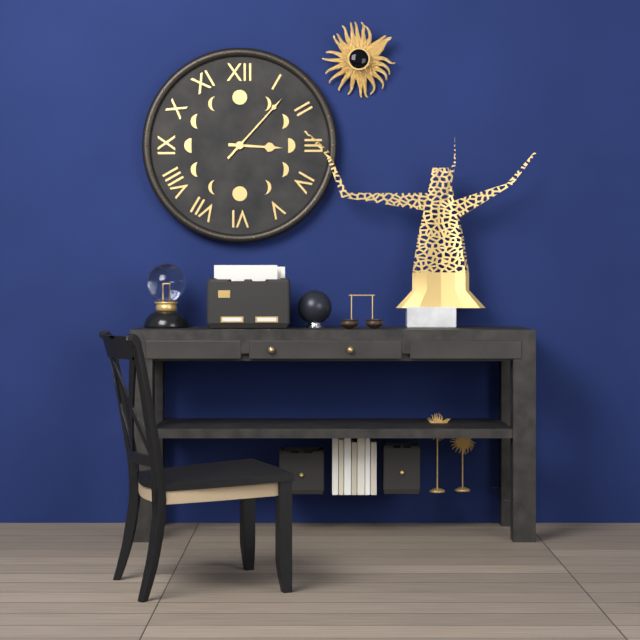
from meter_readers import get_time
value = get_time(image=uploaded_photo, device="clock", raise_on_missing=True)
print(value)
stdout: 3:07
